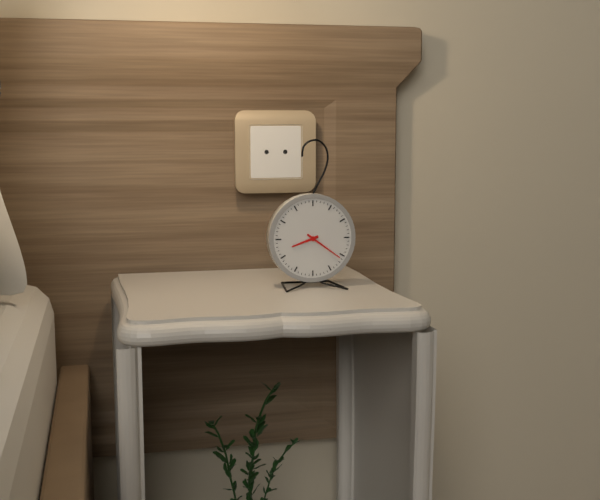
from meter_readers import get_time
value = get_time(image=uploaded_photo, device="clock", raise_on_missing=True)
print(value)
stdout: 8:21
